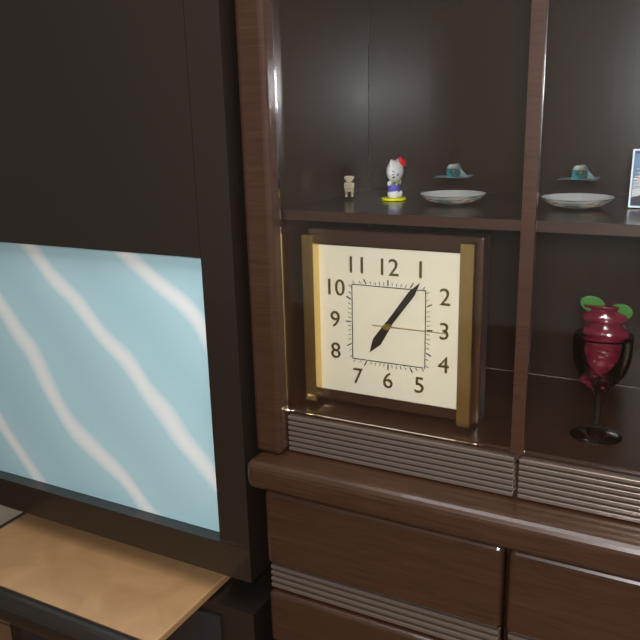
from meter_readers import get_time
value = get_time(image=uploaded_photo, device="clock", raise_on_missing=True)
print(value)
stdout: 7:06:15
